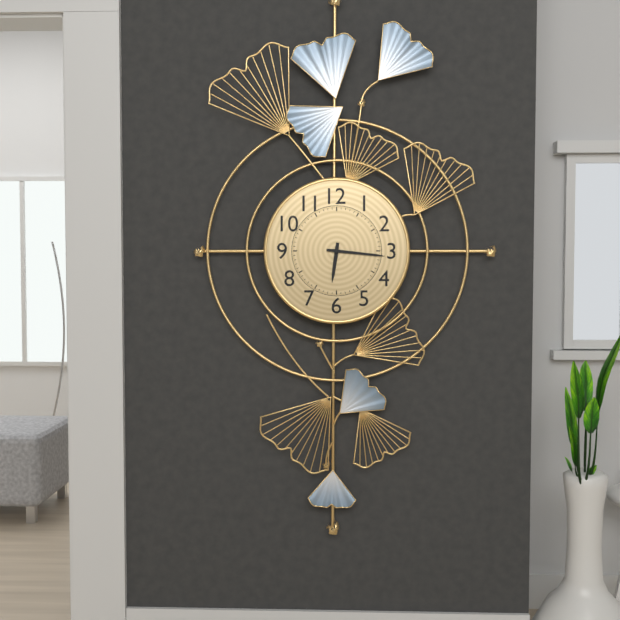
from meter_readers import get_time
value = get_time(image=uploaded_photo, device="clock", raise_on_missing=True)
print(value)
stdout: 6:16
